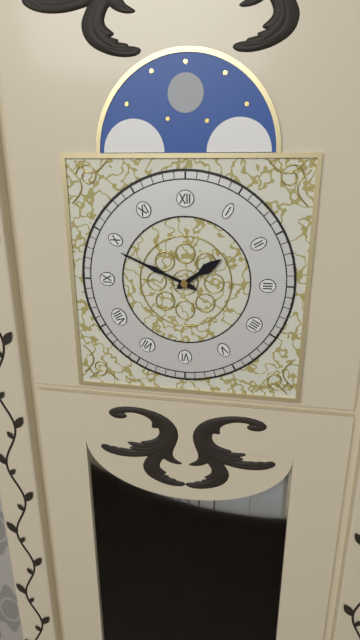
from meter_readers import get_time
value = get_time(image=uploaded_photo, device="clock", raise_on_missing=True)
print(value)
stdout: 1:49
